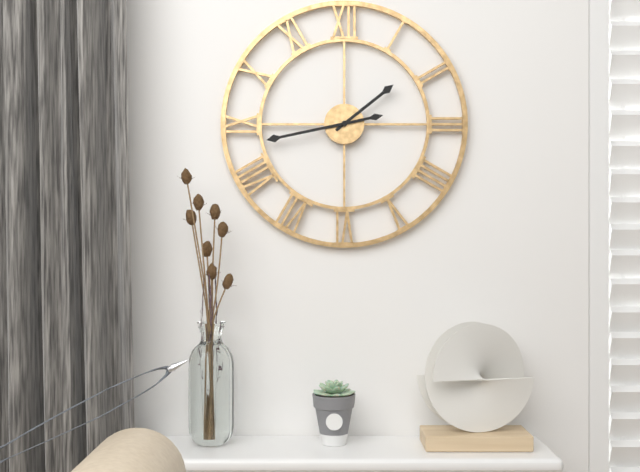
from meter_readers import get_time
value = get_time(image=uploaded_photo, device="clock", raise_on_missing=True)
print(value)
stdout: 1:43
